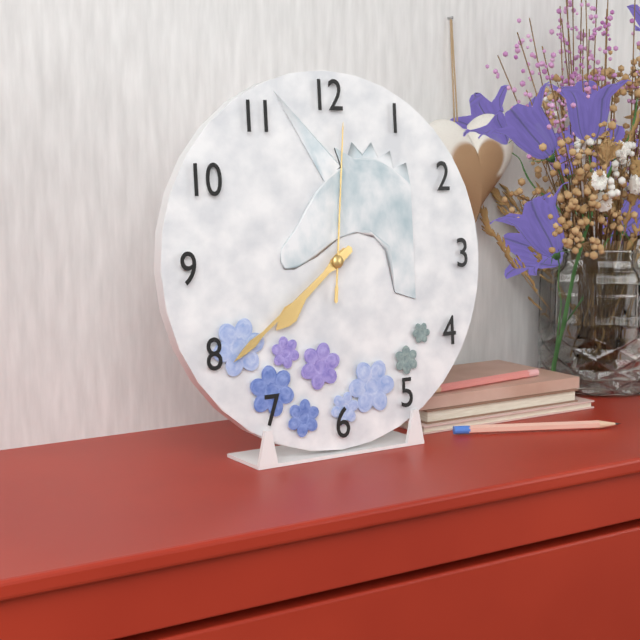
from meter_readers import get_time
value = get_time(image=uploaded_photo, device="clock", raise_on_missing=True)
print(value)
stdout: 7:39:01
